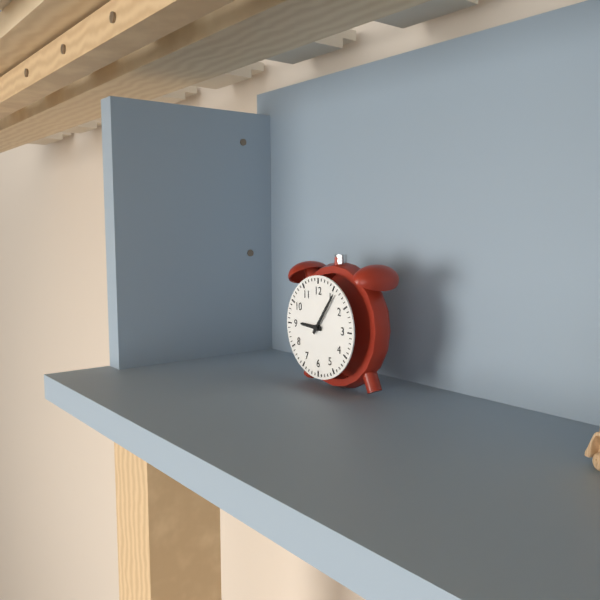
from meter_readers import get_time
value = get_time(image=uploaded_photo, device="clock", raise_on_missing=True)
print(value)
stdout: 9:06
